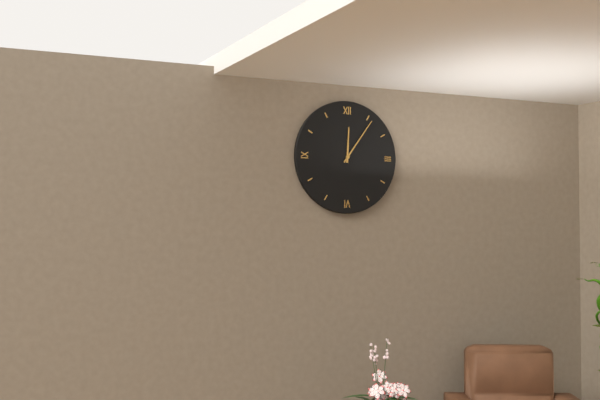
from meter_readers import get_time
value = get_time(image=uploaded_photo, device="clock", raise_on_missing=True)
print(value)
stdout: 12:06
